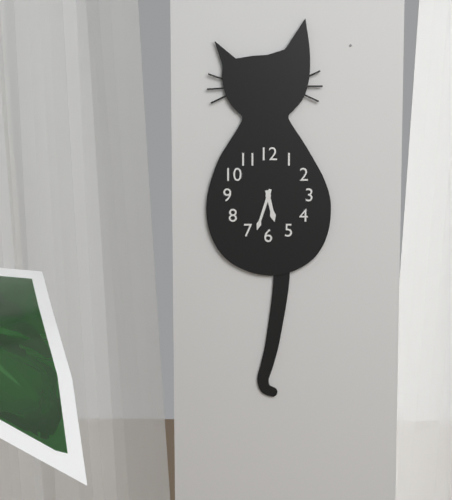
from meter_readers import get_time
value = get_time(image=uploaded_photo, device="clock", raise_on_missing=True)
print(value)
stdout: 5:33
